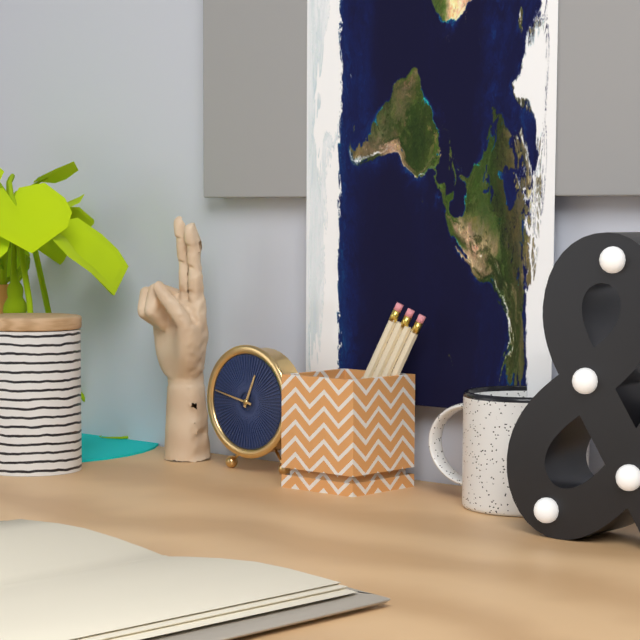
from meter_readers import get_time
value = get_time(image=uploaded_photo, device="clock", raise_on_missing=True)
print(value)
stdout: 12:47
